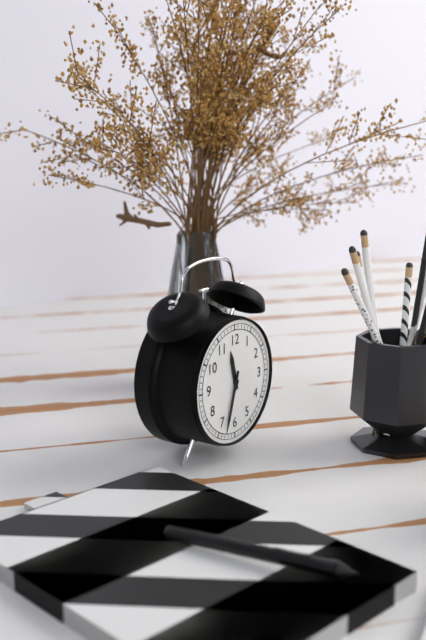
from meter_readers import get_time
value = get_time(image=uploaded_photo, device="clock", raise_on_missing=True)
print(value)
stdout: 11:33
